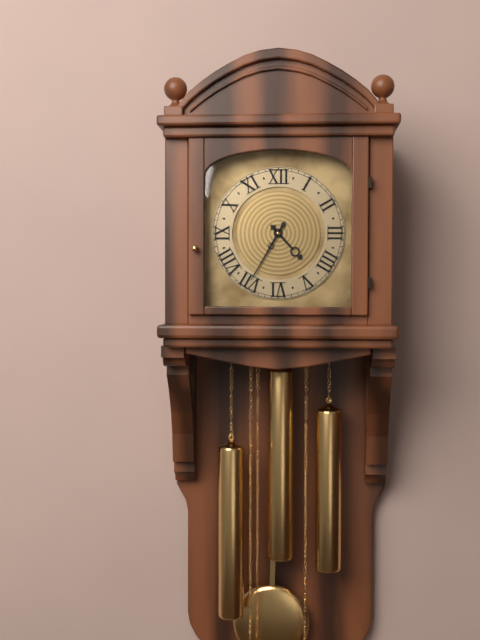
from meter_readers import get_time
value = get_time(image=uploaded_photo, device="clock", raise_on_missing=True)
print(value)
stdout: 4:35
